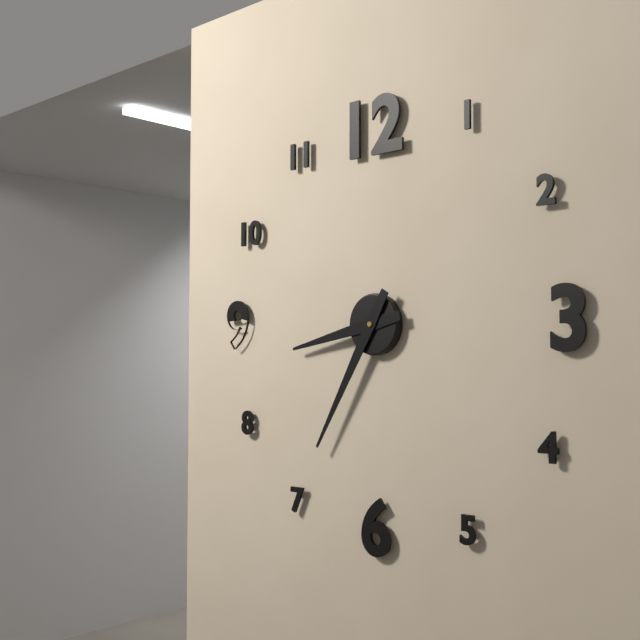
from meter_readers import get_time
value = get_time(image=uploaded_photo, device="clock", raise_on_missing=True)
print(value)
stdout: 8:35
